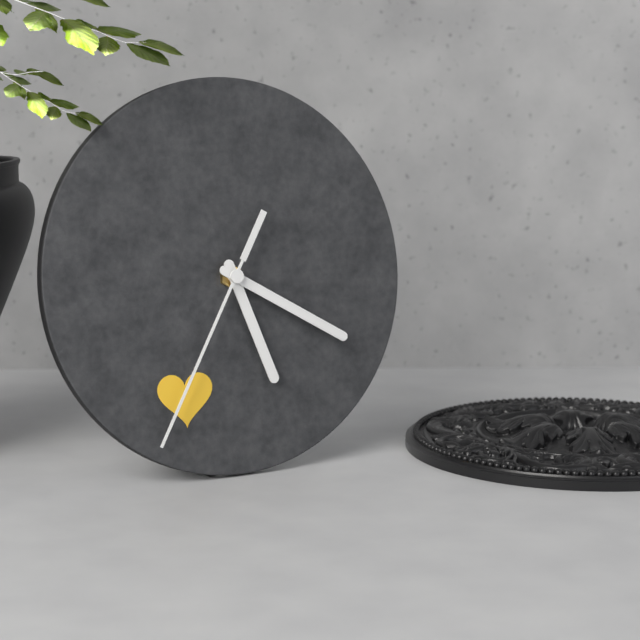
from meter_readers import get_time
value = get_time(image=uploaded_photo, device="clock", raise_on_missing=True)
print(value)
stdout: 5:20:35
